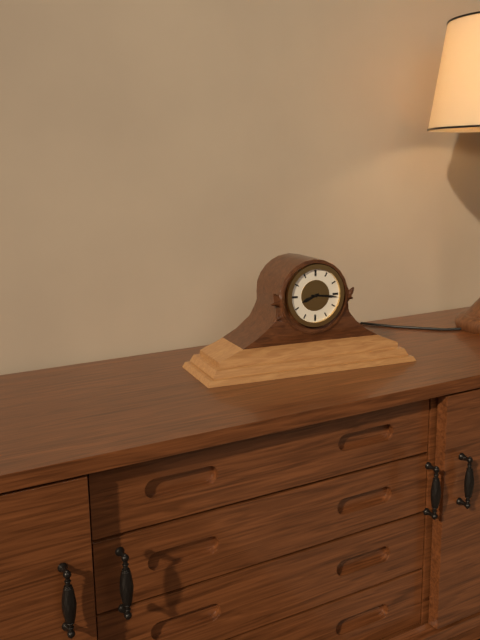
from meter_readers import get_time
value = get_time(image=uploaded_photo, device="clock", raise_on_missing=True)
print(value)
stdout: 8:16
